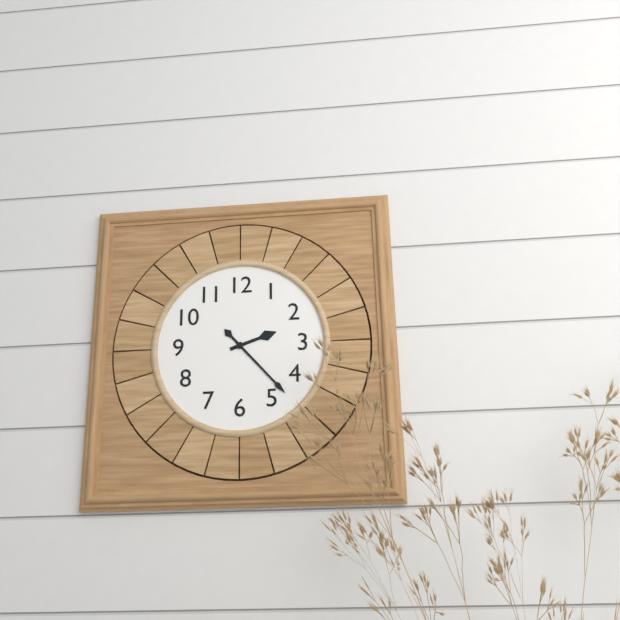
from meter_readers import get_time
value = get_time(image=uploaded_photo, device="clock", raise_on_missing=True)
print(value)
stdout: 2:23
